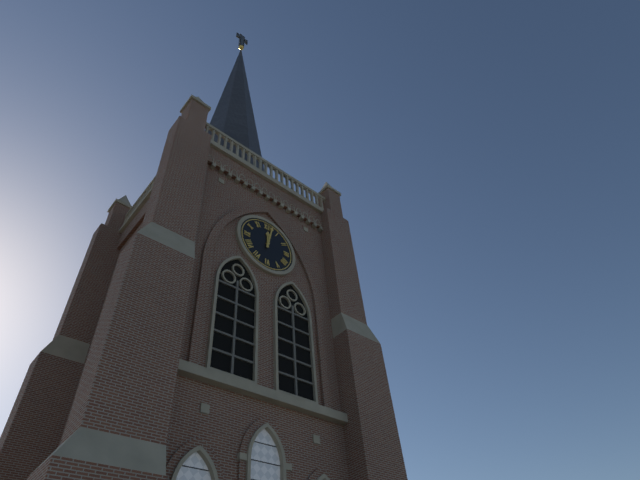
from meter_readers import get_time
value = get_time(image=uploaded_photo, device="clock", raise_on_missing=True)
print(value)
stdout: 12:02
